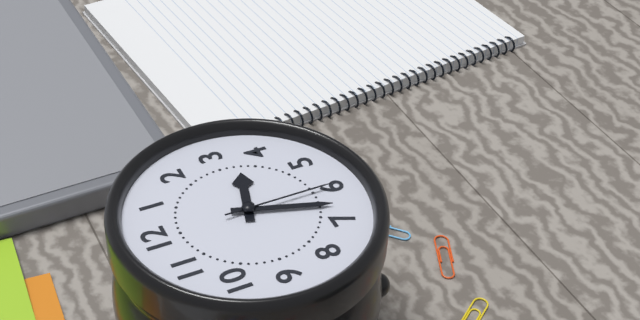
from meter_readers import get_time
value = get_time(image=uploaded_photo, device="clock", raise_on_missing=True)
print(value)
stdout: 3:33:30
